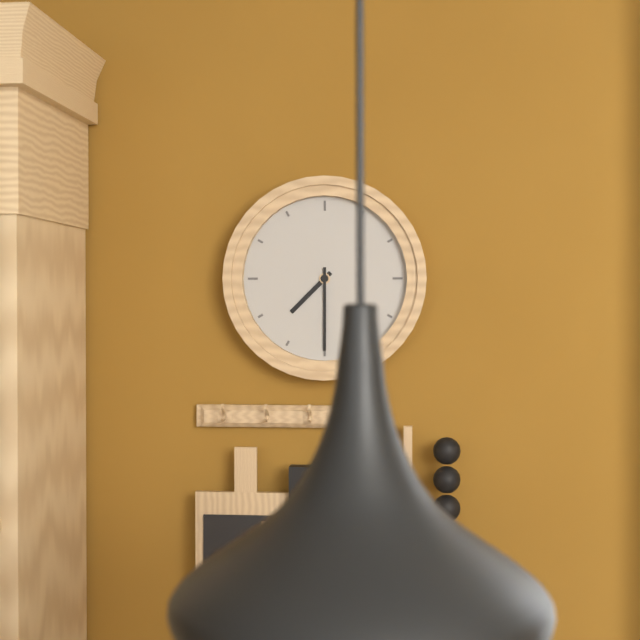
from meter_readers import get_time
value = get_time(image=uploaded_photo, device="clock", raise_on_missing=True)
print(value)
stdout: 7:30
